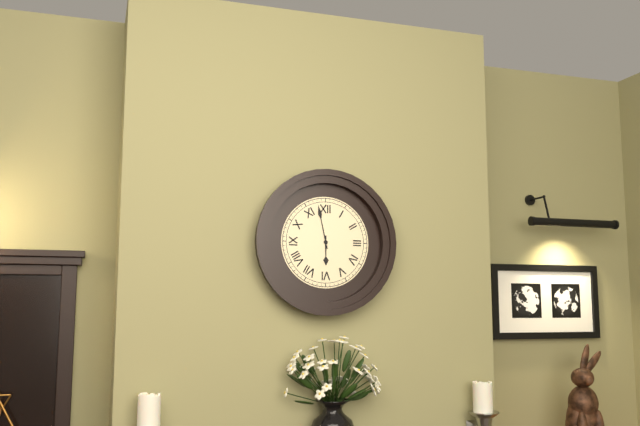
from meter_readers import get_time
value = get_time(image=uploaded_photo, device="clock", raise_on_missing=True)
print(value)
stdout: 5:58
